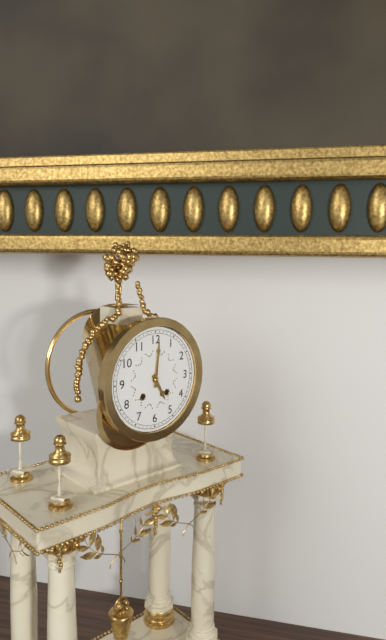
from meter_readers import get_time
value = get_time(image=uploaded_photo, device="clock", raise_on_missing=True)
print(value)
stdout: 5:01
